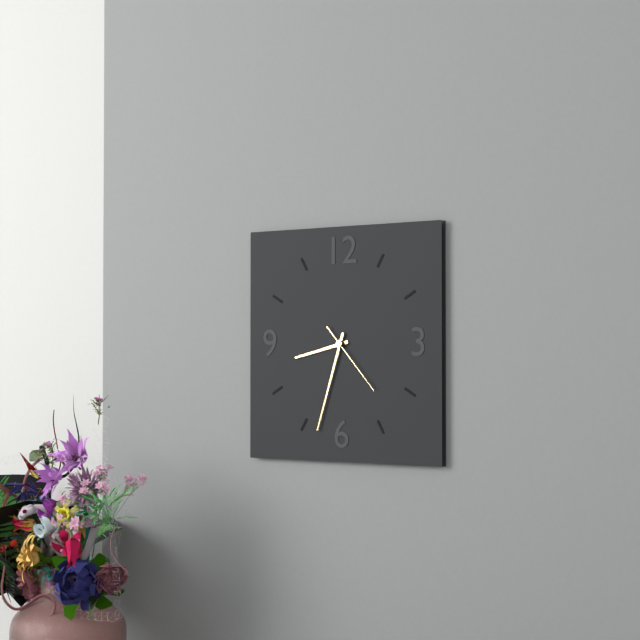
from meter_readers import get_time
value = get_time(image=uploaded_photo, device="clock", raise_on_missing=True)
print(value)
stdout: 8:33:23
